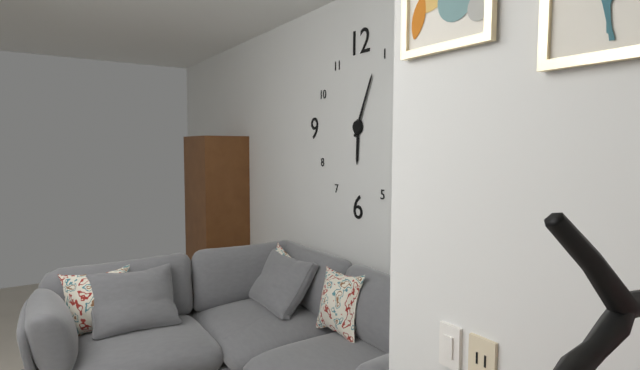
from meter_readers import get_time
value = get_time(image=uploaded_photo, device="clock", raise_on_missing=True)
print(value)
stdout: 6:04
